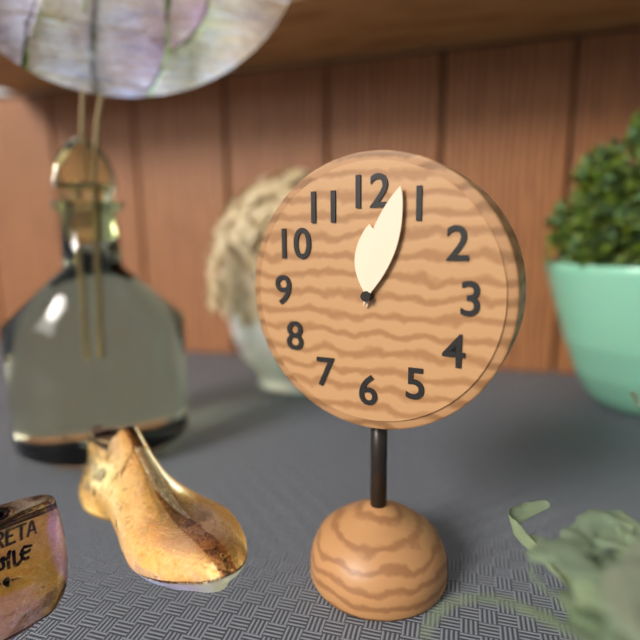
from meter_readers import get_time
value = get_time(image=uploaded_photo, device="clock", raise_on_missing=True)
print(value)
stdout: 12:03
